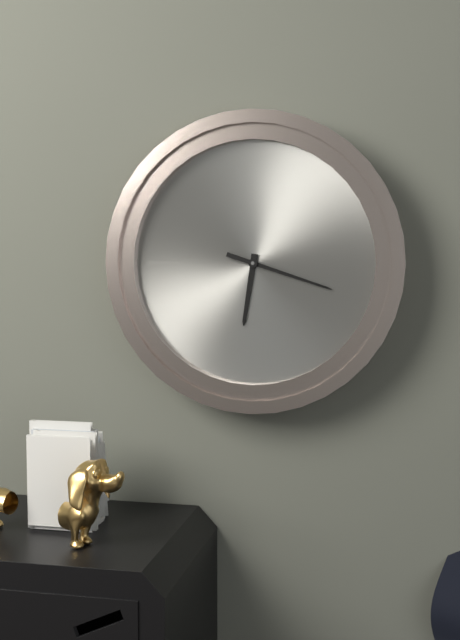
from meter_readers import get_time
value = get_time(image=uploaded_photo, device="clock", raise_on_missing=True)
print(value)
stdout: 6:18
